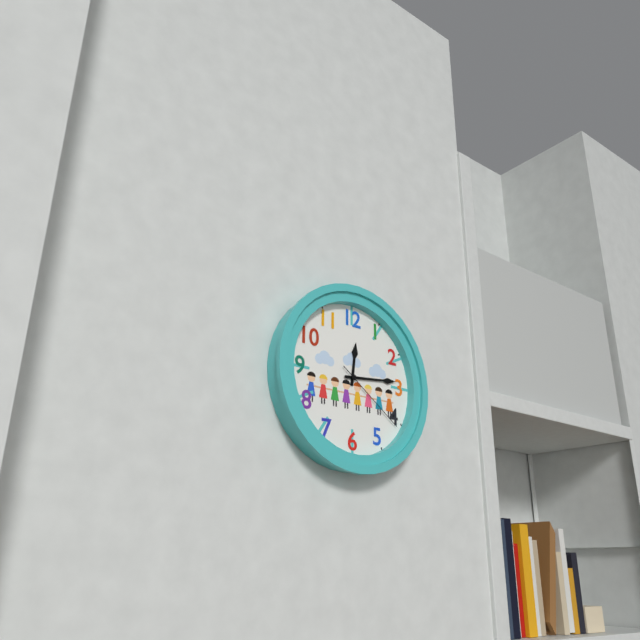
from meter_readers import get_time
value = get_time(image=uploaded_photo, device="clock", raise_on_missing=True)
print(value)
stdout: 12:14:21
